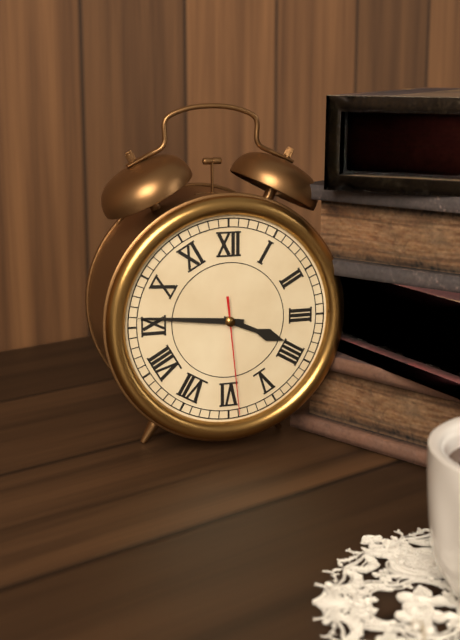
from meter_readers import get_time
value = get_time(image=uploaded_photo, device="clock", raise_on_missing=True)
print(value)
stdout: 3:46:29
